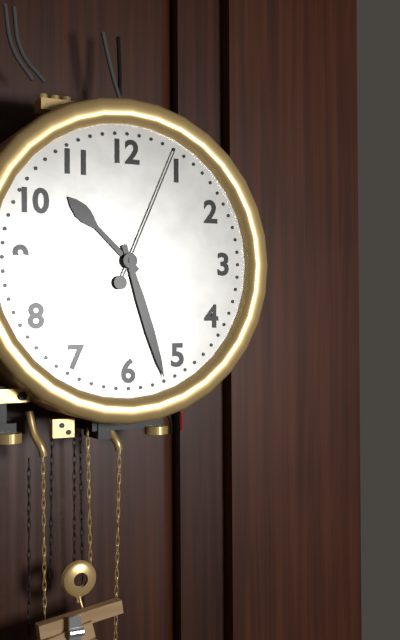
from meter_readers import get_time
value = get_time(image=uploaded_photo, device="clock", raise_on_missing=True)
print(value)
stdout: 10:27:04
